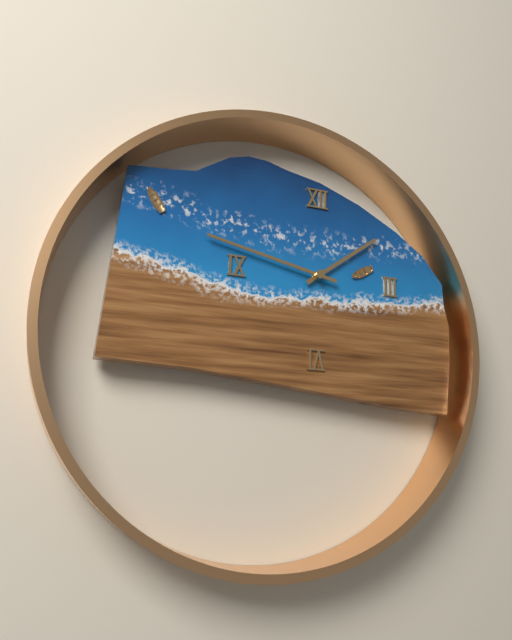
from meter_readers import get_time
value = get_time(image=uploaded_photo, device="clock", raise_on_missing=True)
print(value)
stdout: 1:47
